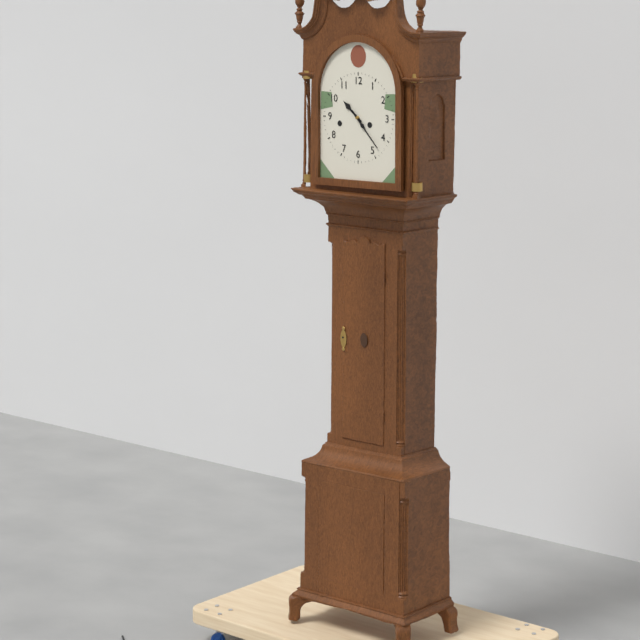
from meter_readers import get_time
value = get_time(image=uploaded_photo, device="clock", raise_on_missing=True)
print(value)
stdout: 10:23
